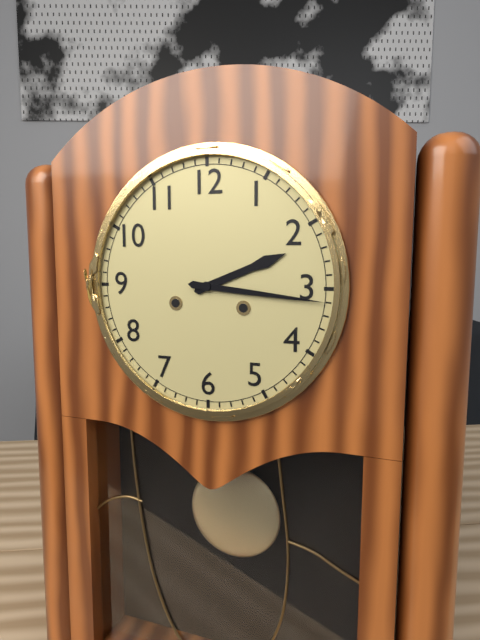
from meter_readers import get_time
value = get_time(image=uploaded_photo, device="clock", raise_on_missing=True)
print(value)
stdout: 2:16
